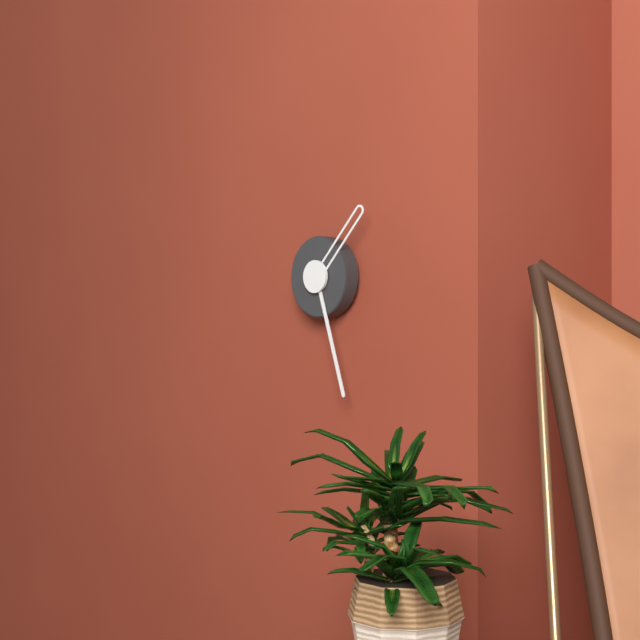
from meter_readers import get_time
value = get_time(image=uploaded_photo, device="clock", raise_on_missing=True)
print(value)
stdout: 1:27
